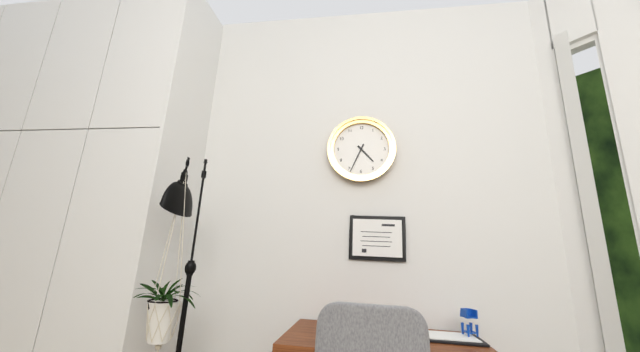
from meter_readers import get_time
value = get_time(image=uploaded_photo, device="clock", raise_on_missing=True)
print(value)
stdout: 4:34
